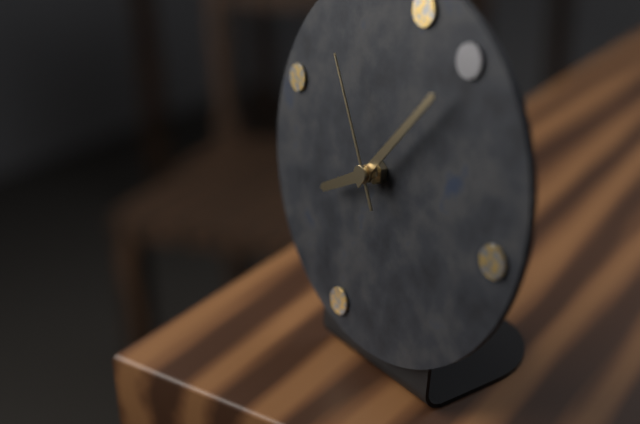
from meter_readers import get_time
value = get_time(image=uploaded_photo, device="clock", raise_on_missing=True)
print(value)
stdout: 8:07:55
